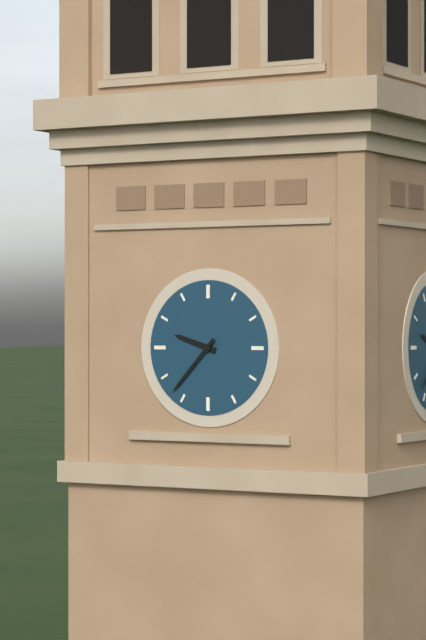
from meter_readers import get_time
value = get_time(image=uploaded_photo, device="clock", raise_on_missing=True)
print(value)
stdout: 9:37
